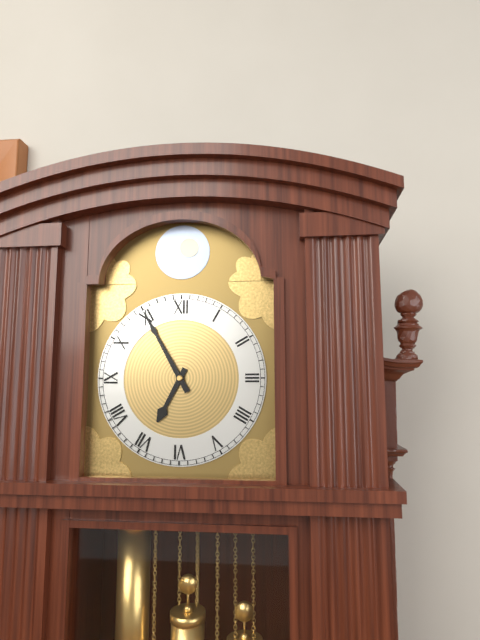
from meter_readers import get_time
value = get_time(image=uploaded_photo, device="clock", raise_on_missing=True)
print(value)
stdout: 6:55
